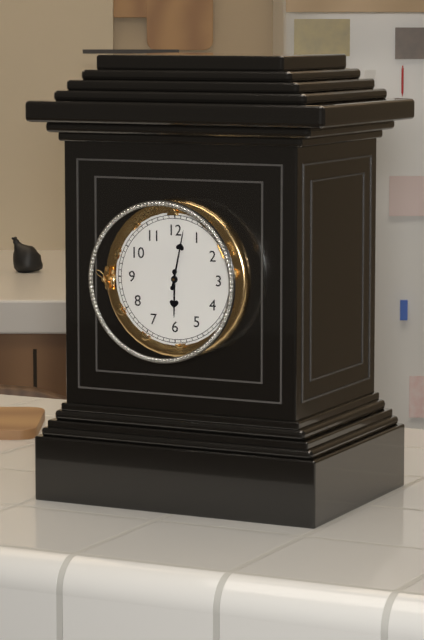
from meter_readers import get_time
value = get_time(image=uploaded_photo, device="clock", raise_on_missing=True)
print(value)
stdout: 6:02
